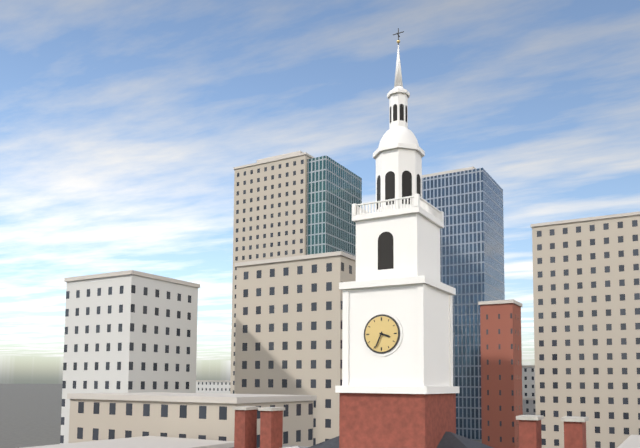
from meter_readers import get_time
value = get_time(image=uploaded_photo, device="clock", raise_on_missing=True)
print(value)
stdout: 3:34
